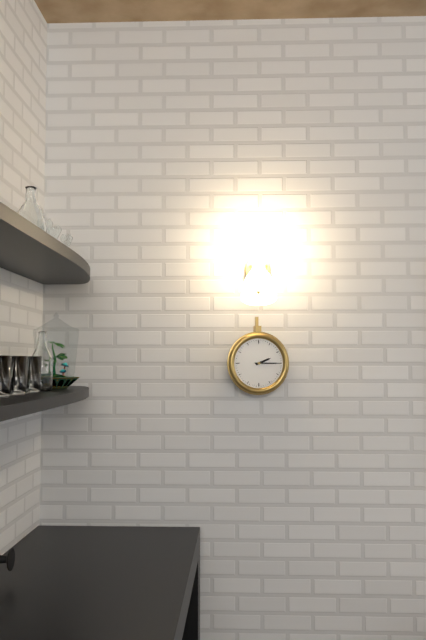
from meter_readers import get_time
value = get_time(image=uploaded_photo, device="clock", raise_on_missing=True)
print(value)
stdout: 2:15
